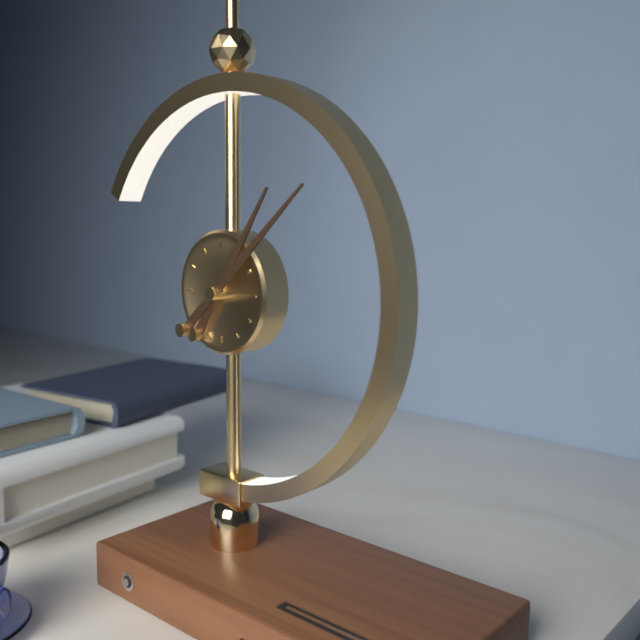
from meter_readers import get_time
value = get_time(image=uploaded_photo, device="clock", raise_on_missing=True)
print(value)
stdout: 1:08
